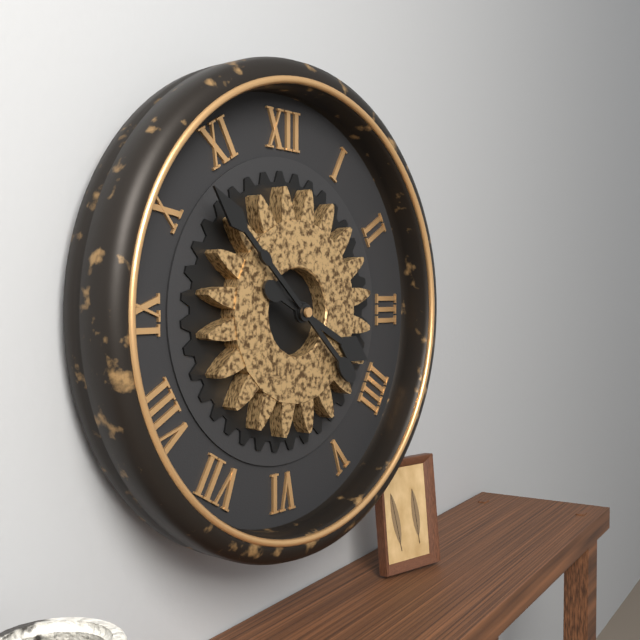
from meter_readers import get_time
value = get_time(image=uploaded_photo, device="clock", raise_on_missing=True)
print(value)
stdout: 3:52
